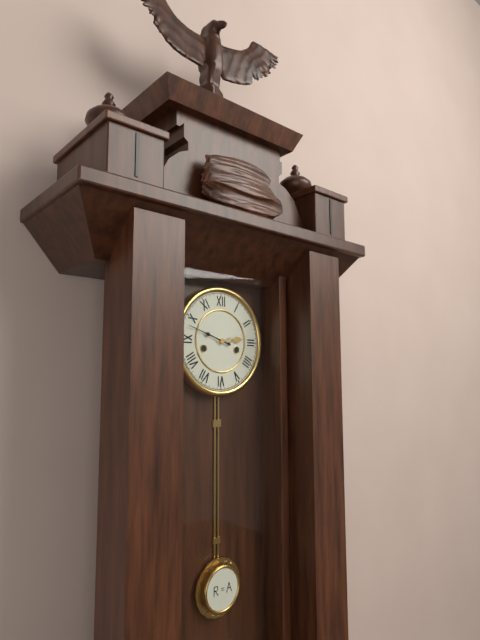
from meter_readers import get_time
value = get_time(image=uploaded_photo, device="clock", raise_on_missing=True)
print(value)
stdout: 2:48
